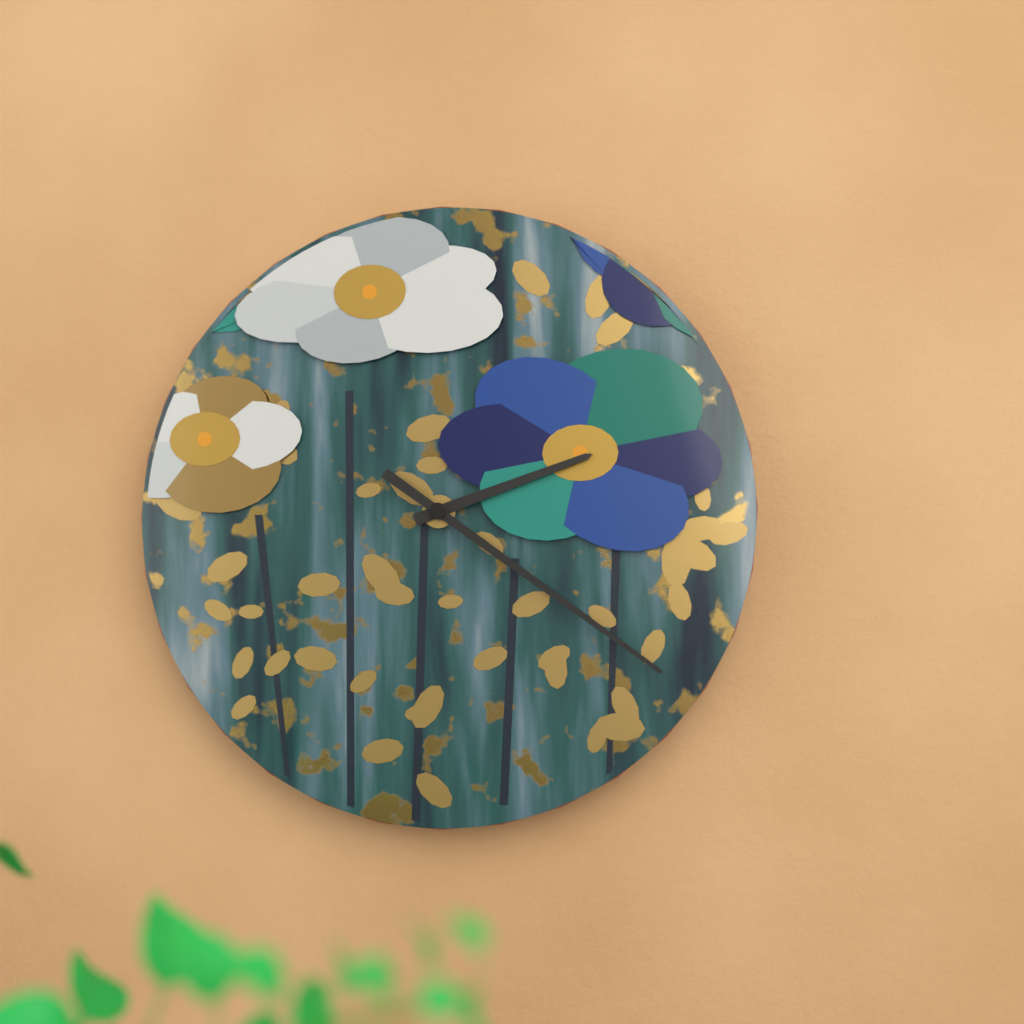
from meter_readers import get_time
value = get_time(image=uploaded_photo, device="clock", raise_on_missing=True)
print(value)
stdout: 2:21
